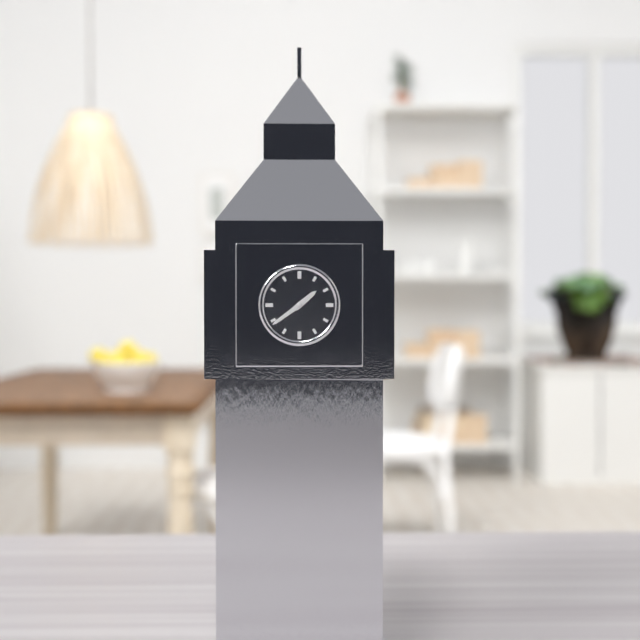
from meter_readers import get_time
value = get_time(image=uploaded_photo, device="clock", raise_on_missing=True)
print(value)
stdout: 1:39
